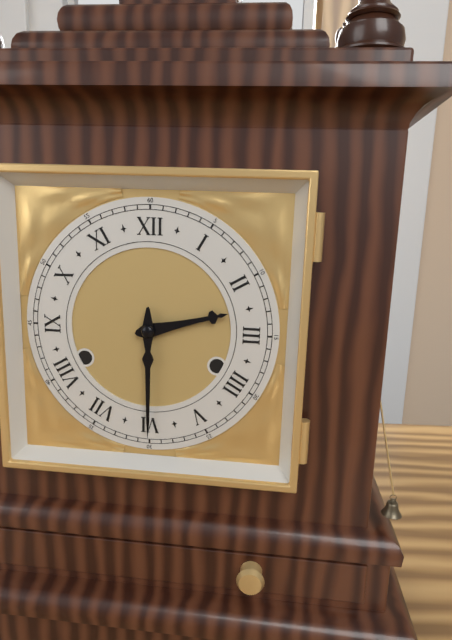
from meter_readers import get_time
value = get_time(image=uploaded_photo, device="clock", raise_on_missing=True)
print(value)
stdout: 2:30
